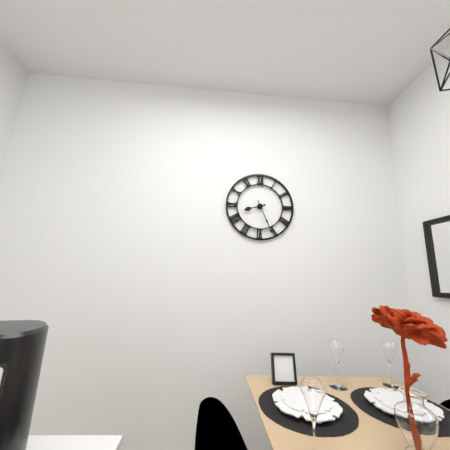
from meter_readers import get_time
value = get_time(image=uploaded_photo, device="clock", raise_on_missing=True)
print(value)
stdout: 8:26
